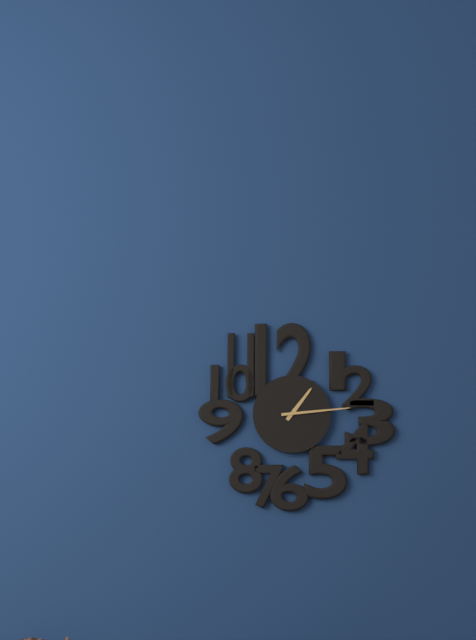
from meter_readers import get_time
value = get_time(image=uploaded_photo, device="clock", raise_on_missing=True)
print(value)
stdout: 1:14
